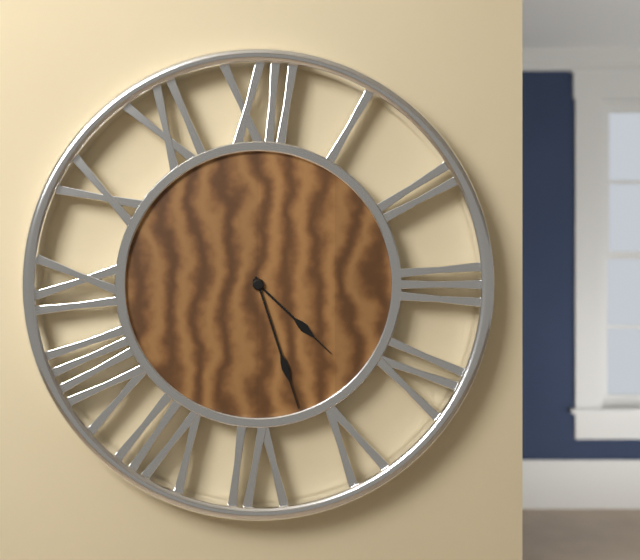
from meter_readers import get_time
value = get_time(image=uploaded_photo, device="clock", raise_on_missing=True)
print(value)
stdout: 4:27
